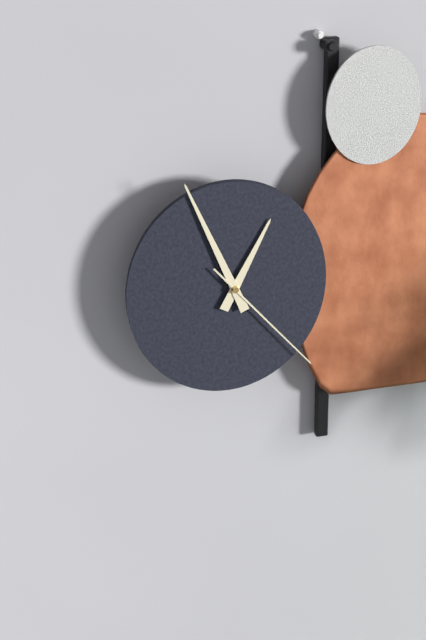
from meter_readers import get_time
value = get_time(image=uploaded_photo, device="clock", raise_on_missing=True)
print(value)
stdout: 12:56:23
